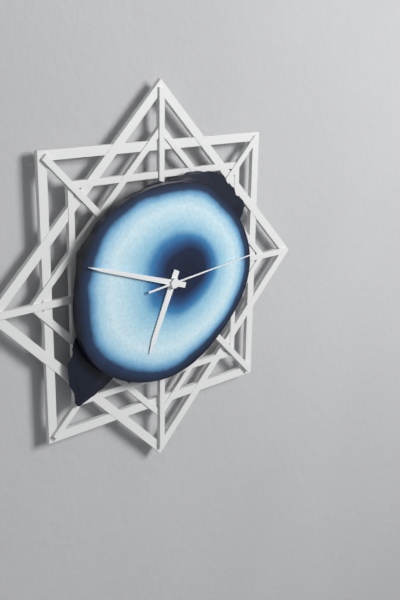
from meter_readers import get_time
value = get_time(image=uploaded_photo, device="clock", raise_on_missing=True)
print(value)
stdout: 6:48:14
